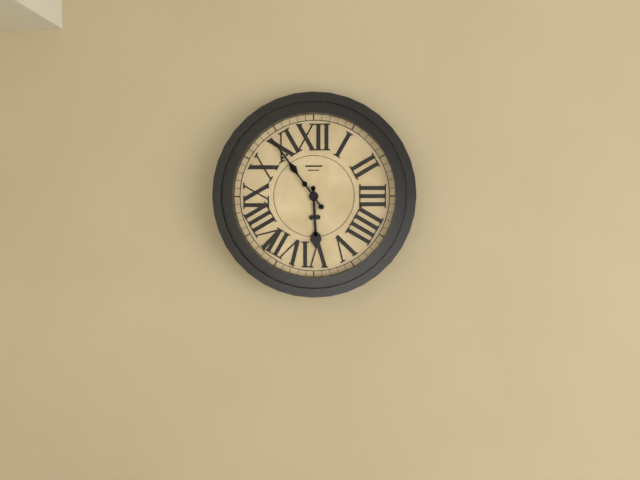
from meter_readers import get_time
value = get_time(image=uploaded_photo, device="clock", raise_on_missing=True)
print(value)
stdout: 5:54
